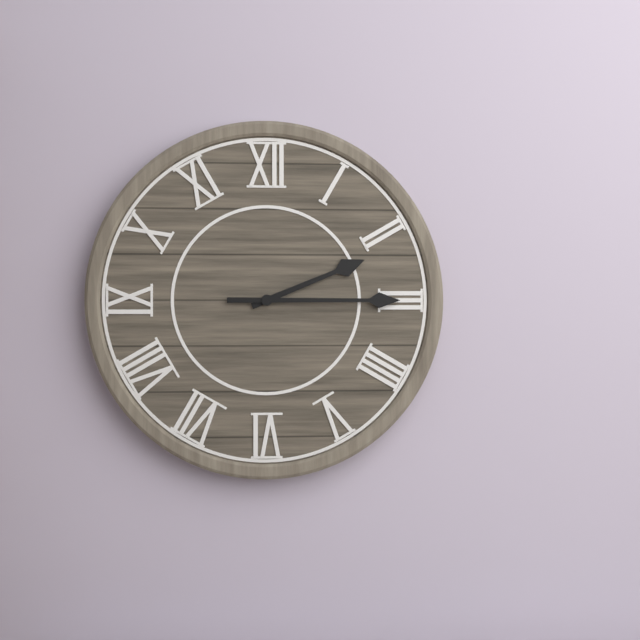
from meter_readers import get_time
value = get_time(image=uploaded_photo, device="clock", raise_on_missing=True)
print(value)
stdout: 2:15
